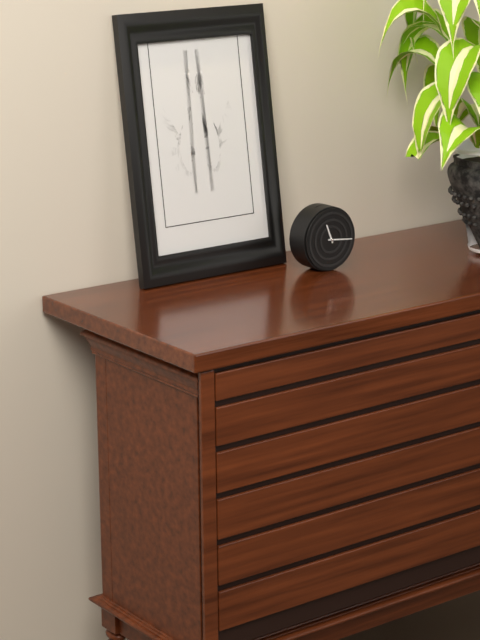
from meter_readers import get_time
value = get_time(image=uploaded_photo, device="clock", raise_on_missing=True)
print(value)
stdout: 11:16
